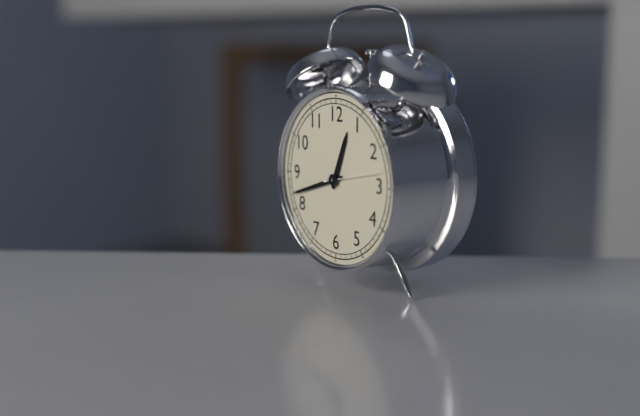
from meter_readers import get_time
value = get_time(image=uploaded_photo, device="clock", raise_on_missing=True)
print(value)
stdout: 12:42:13
